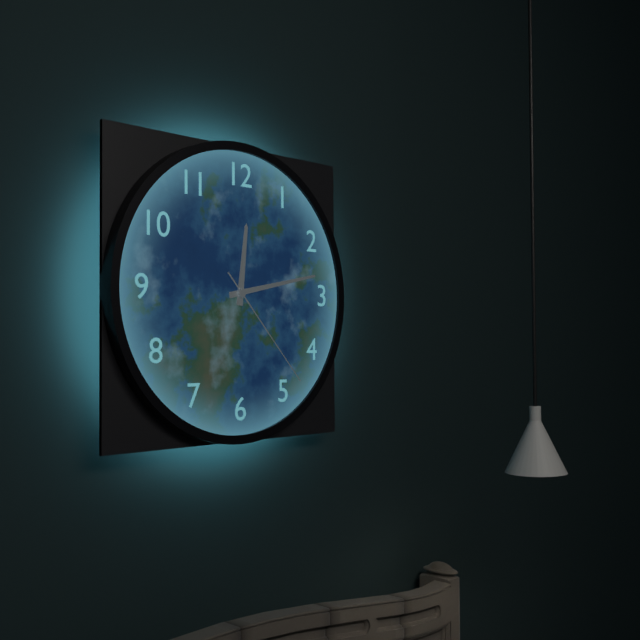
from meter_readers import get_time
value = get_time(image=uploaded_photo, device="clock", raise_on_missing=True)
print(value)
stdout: 12:13:23
